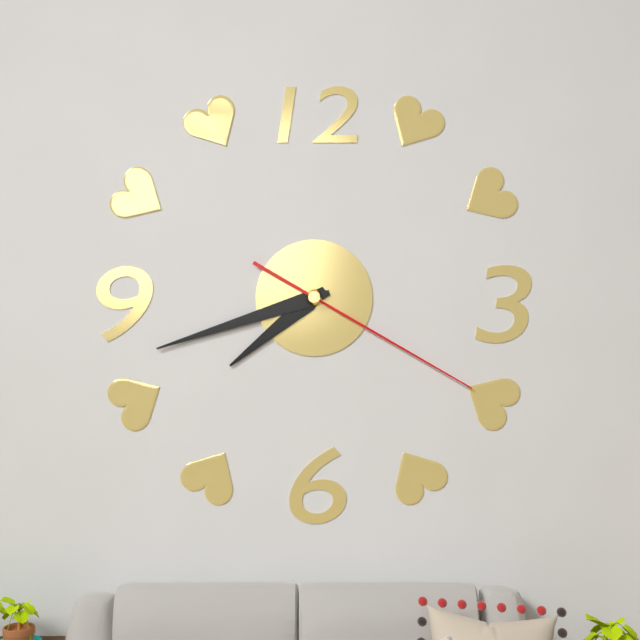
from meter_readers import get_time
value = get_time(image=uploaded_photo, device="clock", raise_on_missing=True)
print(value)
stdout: 7:42:20
